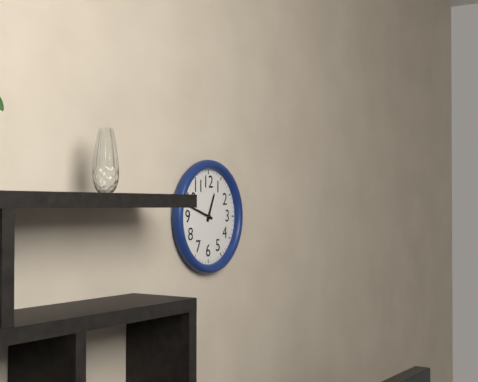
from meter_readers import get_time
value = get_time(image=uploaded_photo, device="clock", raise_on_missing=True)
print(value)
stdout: 12:48
